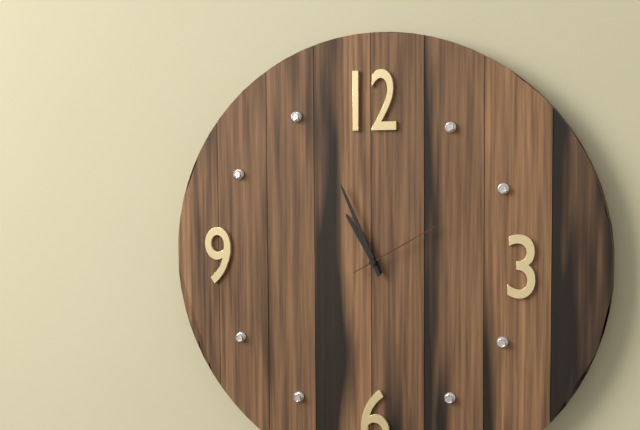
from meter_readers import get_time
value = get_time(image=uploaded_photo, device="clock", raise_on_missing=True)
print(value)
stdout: 10:56:10
